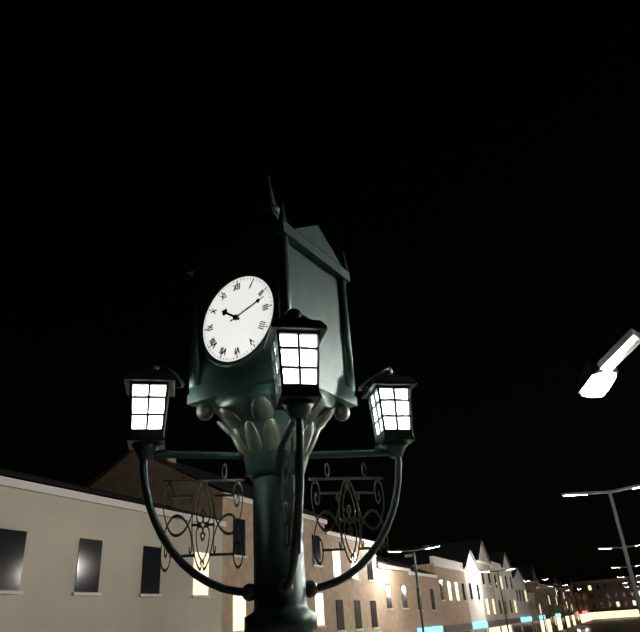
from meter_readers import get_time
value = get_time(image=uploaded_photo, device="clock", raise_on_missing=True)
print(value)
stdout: 10:12
